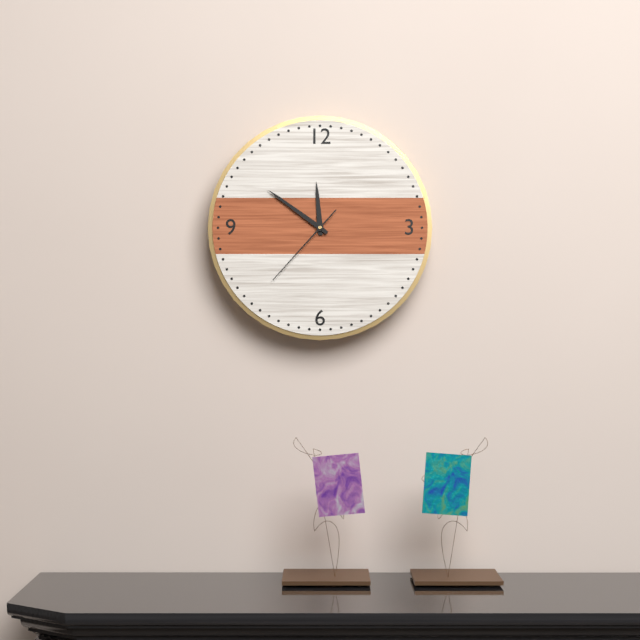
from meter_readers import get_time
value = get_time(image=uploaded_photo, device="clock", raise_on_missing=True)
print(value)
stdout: 11:51:37
